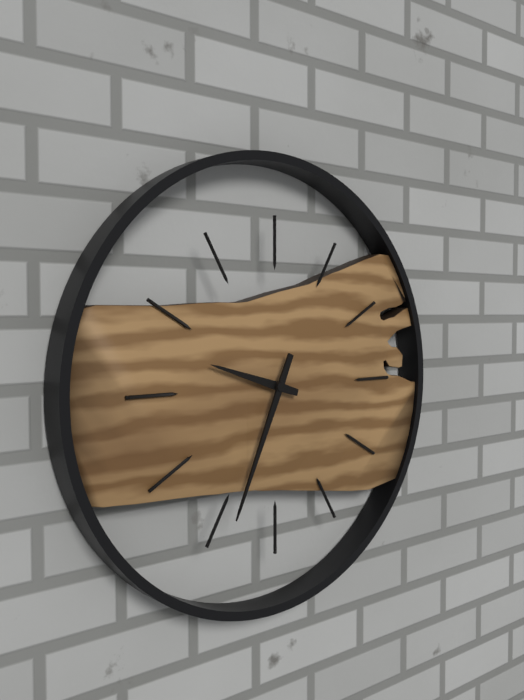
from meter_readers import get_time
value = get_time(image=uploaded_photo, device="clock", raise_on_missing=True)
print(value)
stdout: 9:34
